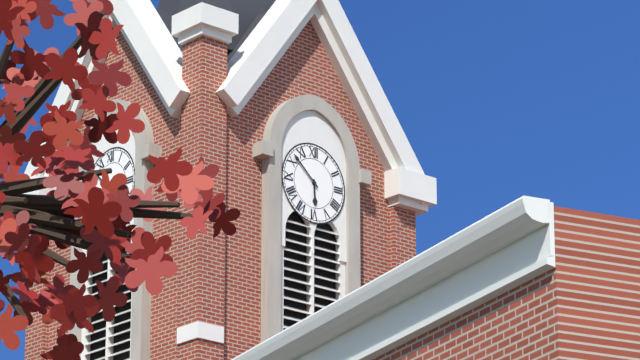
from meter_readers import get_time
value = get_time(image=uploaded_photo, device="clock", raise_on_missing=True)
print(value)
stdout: 5:52
